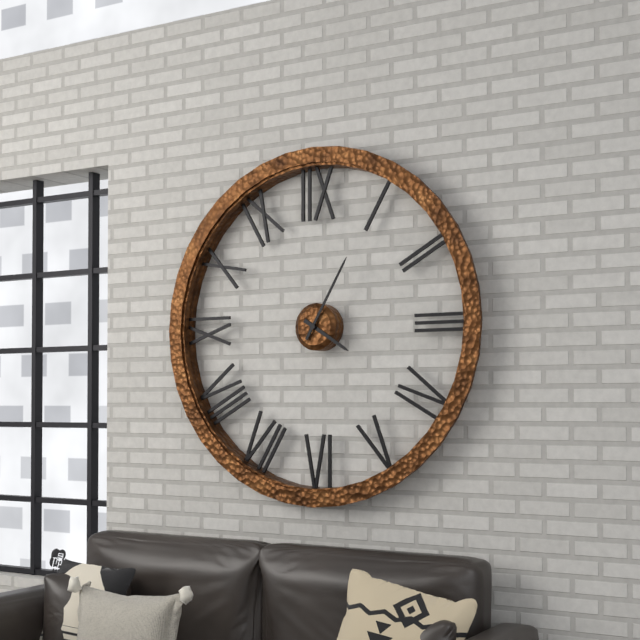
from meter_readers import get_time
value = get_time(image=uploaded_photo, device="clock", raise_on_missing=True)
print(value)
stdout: 4:05
